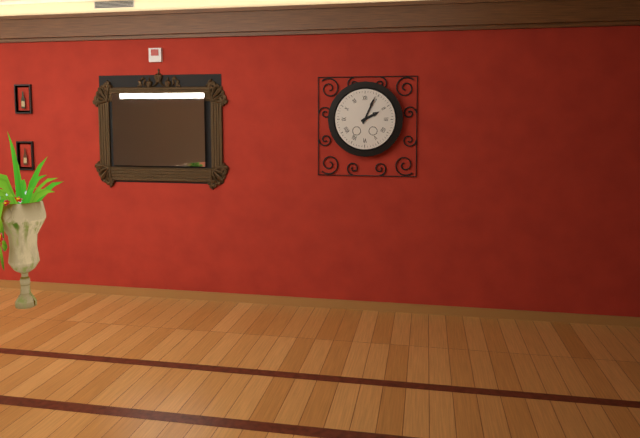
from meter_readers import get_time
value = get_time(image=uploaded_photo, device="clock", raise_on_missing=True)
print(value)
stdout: 2:04
